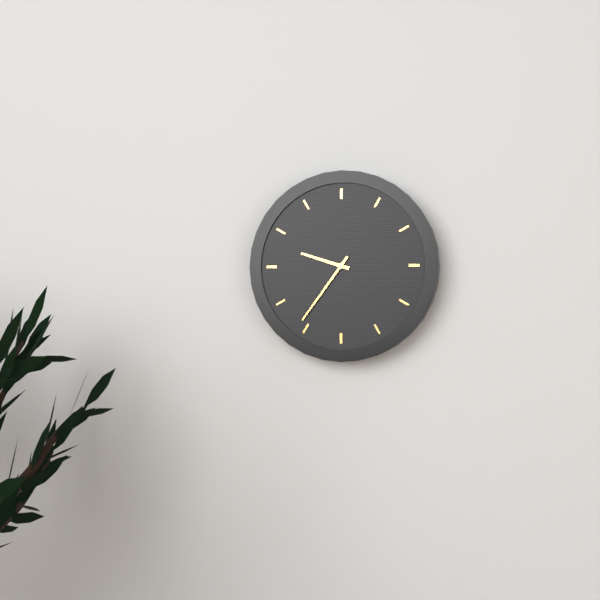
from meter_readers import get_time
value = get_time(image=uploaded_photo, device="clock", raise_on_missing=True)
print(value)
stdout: 9:36
